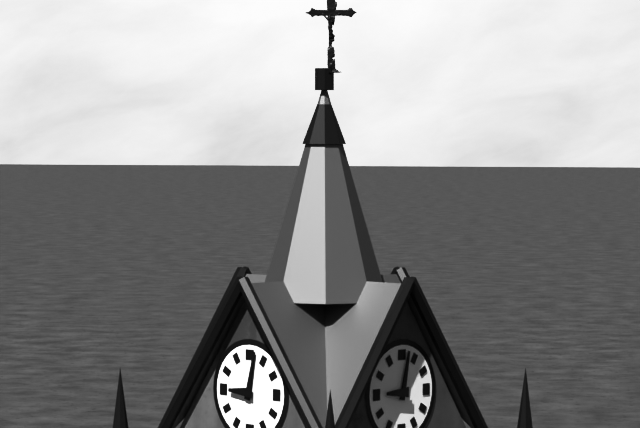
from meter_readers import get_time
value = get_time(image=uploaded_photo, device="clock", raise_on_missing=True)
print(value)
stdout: 9:02
